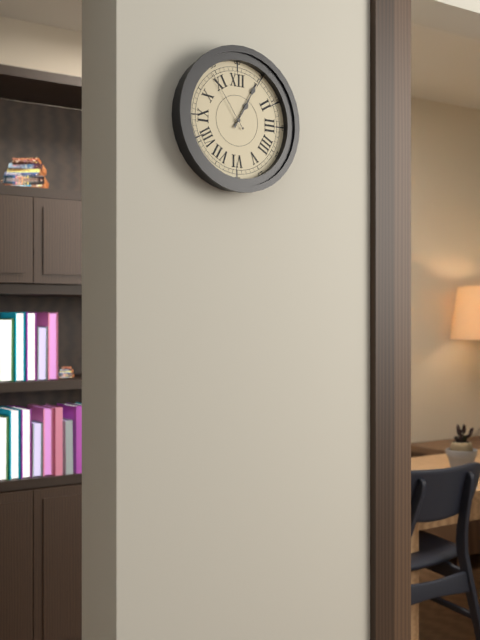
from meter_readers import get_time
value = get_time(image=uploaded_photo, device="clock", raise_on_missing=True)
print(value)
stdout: 1:05:54
